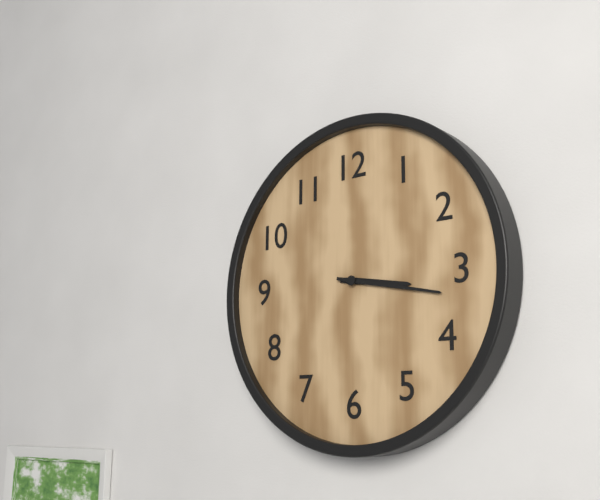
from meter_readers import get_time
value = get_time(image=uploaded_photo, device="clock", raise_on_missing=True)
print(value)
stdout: 3:17
